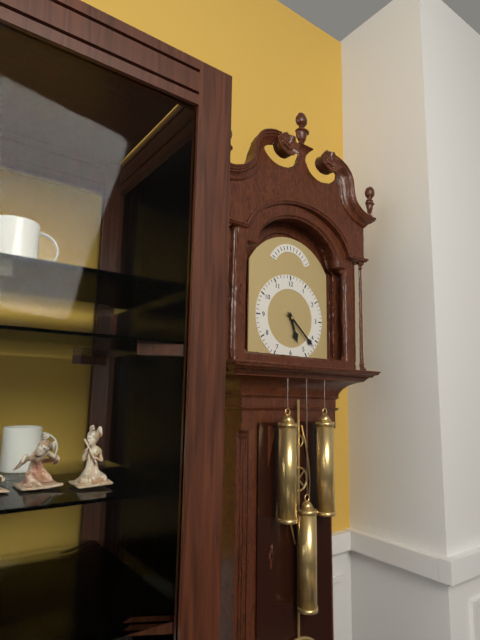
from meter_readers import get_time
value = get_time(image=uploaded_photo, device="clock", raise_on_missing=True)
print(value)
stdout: 5:22
